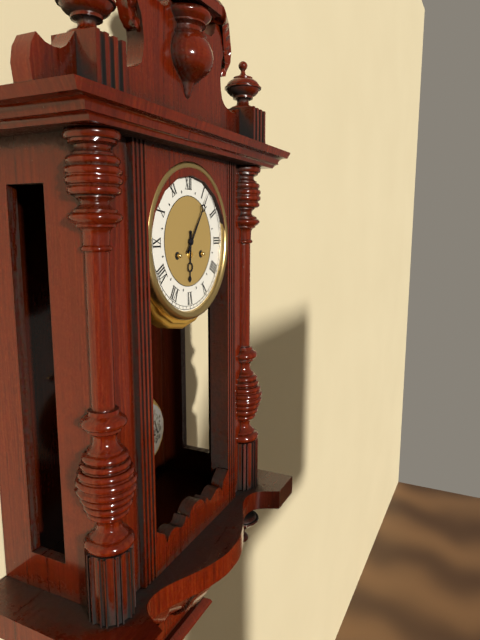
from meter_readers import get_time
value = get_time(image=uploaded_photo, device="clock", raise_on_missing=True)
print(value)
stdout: 6:06
